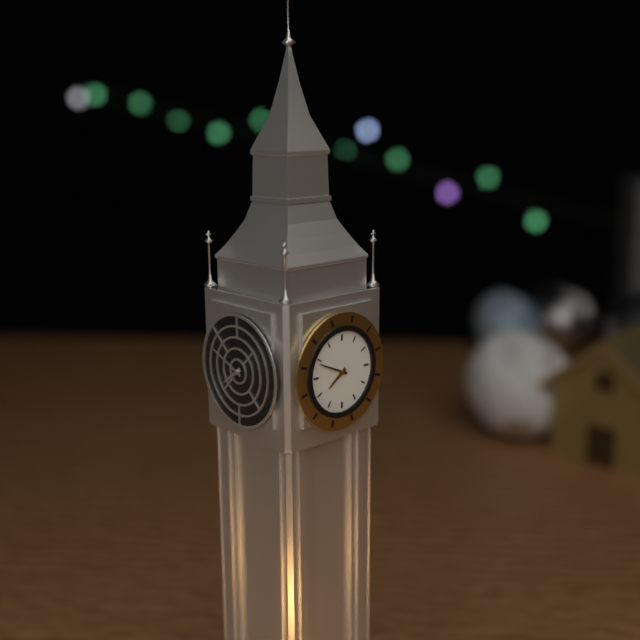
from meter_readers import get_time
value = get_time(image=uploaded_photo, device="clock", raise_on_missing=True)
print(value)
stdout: 7:49
